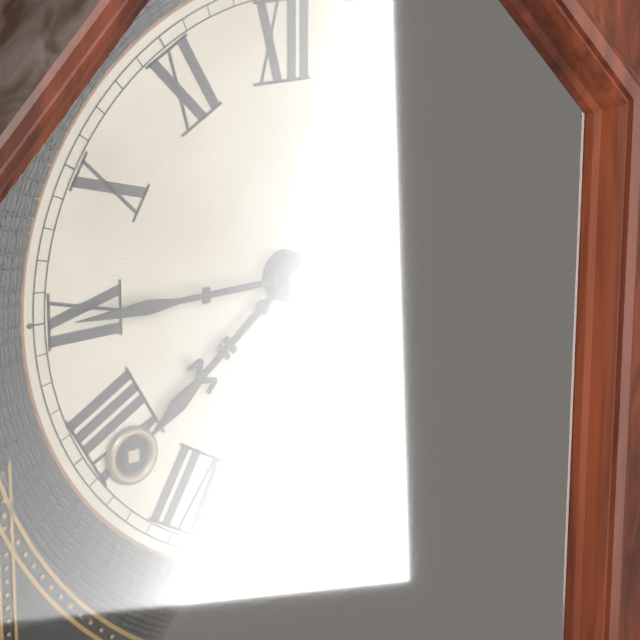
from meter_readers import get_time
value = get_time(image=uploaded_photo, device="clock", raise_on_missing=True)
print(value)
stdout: 7:45
